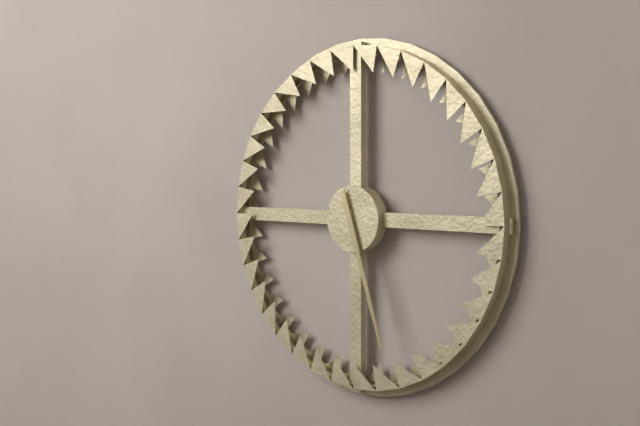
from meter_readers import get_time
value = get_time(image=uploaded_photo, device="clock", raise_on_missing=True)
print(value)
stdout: 5:27
